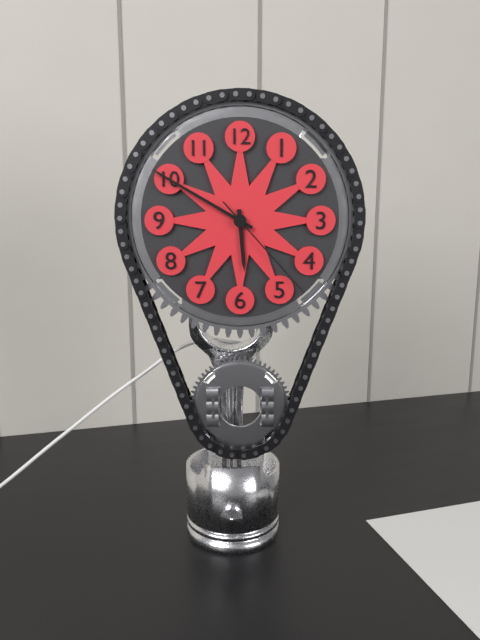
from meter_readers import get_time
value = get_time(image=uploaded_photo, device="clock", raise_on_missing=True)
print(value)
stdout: 5:50:23
